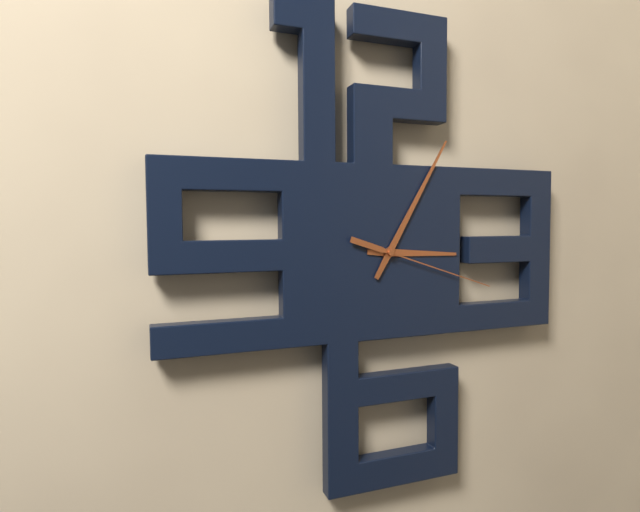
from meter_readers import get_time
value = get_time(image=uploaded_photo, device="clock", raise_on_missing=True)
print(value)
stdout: 3:05:18
